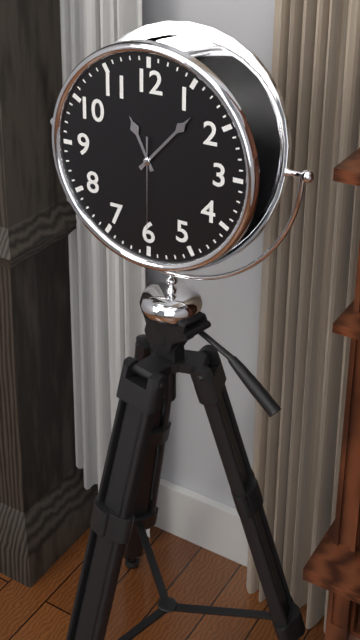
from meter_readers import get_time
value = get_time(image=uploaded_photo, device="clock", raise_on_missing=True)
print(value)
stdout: 11:07:30
